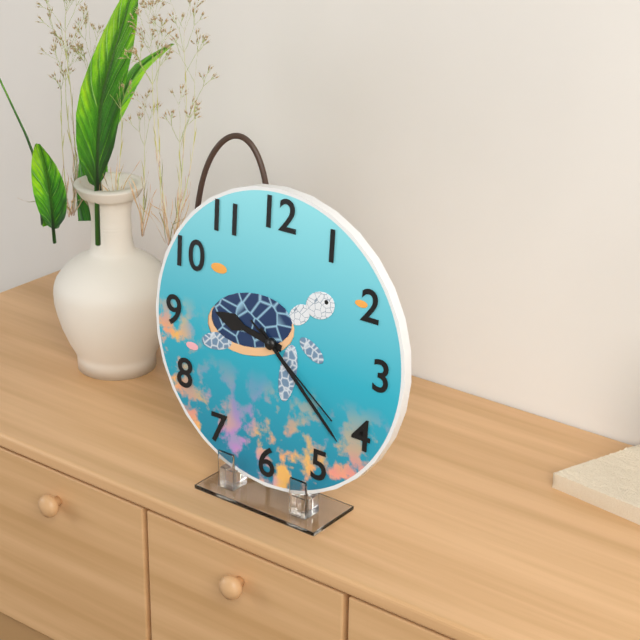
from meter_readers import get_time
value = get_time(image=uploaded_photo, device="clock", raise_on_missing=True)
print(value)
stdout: 9:22:21
